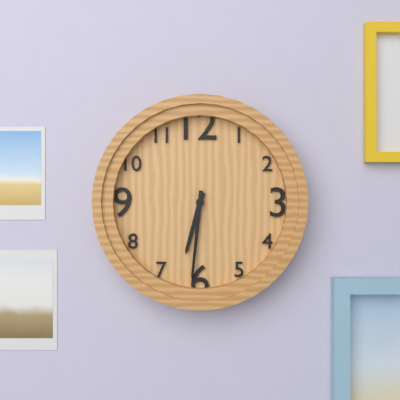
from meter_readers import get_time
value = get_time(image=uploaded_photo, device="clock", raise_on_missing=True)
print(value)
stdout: 6:31
